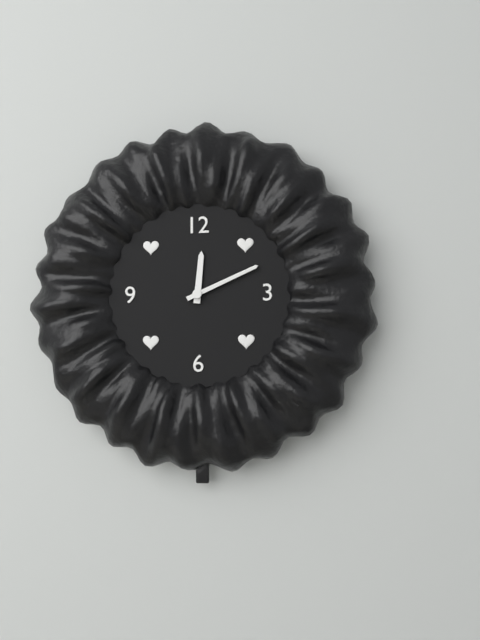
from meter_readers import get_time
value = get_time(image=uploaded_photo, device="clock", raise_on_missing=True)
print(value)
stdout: 12:11
